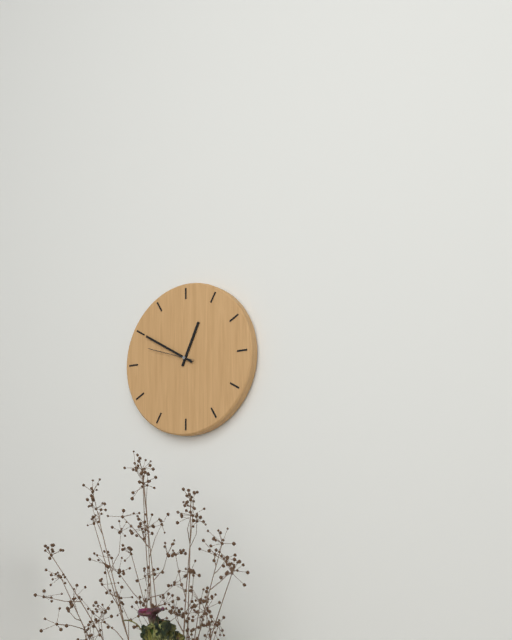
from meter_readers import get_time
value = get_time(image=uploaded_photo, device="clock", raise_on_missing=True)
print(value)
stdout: 12:50:48
